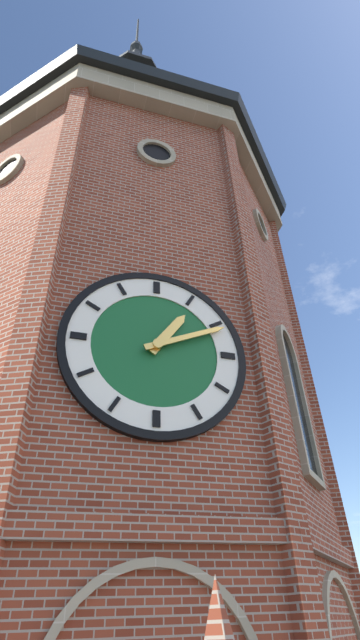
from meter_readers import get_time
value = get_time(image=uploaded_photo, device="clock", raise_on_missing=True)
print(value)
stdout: 1:11
